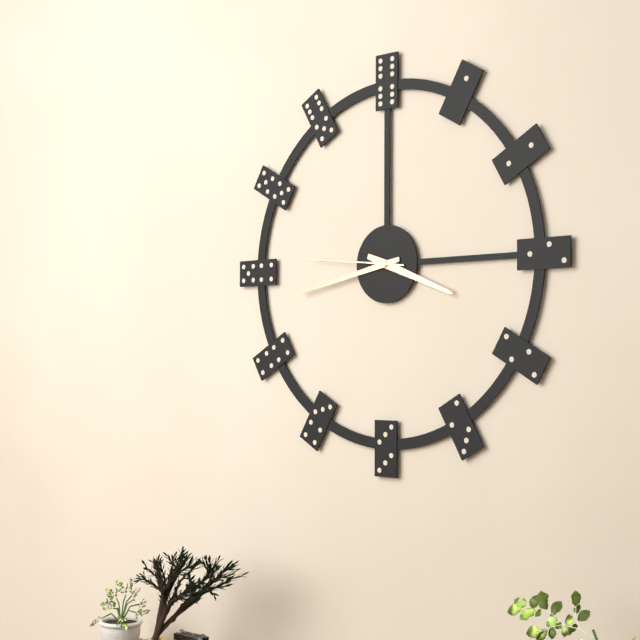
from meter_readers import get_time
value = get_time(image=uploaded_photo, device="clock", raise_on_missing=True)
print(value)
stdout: 3:43:46
